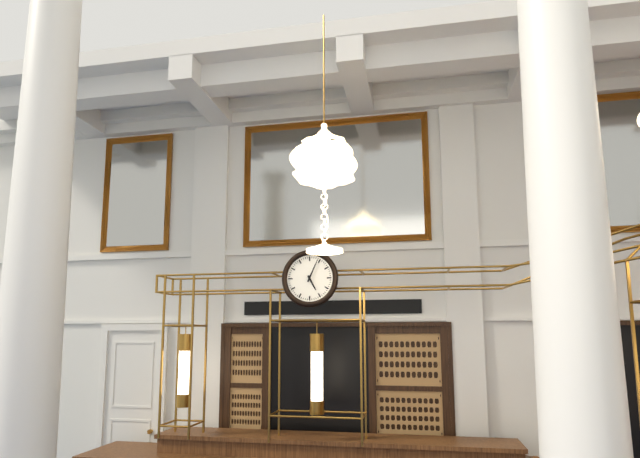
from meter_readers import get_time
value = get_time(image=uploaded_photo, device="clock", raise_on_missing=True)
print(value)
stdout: 5:04
